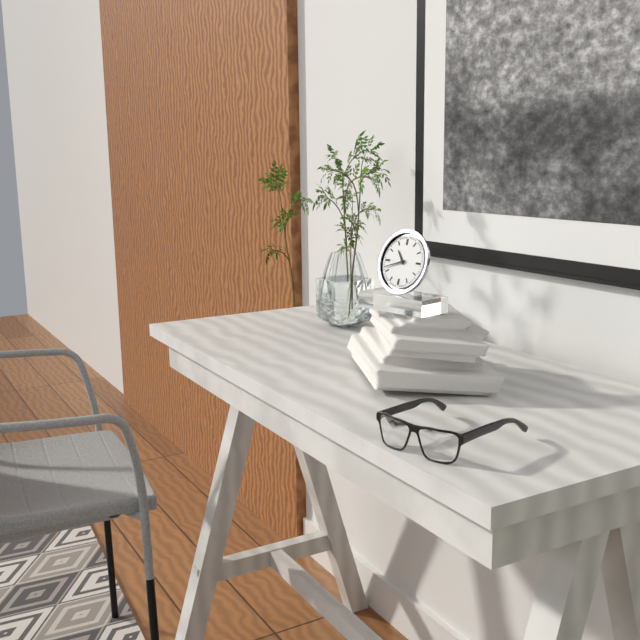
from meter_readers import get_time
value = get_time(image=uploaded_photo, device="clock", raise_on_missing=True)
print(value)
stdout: 10:42
